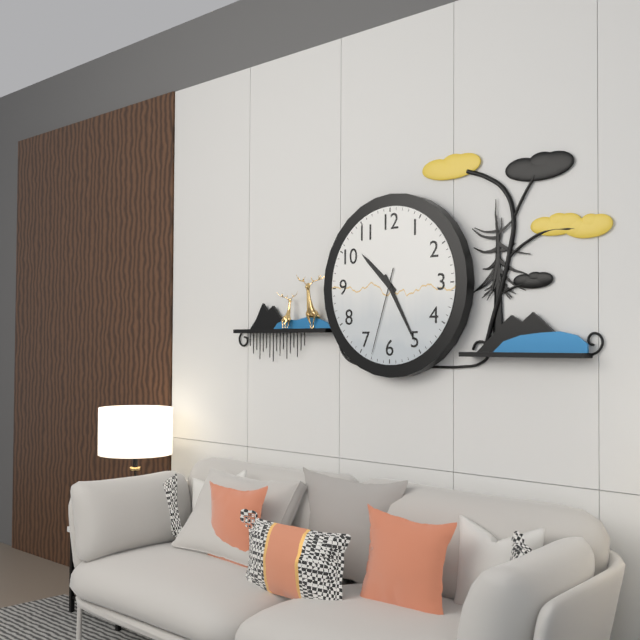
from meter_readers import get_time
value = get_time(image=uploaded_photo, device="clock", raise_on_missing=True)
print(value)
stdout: 10:25:33
